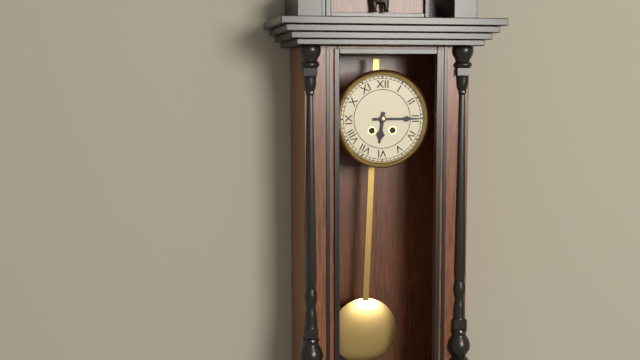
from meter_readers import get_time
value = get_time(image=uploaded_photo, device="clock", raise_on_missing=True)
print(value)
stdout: 6:15
